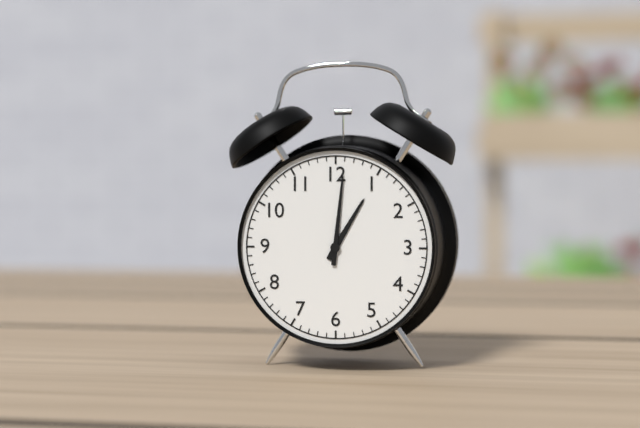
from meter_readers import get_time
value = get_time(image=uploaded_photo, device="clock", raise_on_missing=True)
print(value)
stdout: 1:01
